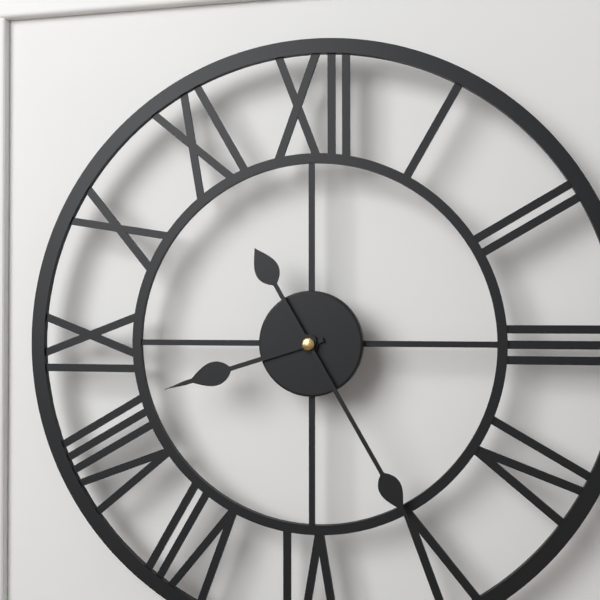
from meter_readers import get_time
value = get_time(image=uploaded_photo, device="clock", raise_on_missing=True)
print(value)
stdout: 8:25
